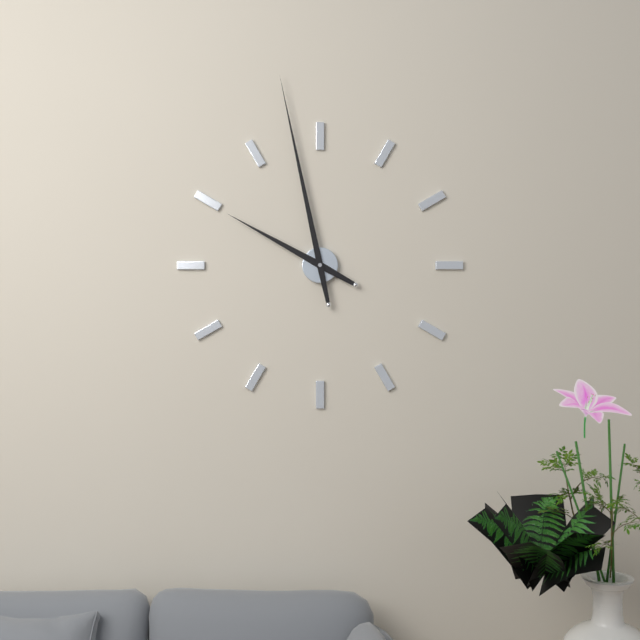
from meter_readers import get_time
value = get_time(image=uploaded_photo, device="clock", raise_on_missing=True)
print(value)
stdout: 9:58
